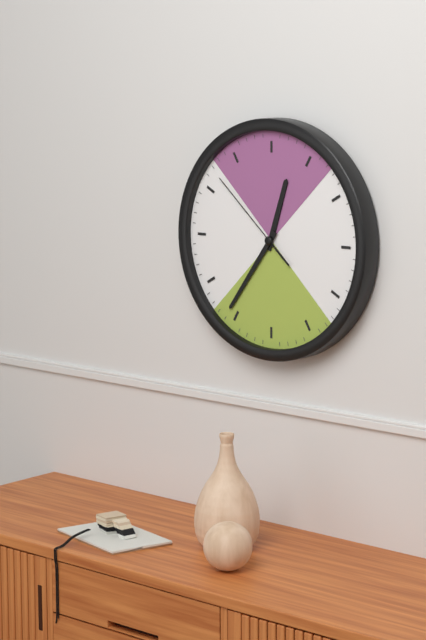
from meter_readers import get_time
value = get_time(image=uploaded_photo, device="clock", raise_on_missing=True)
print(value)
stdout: 12:36:52
